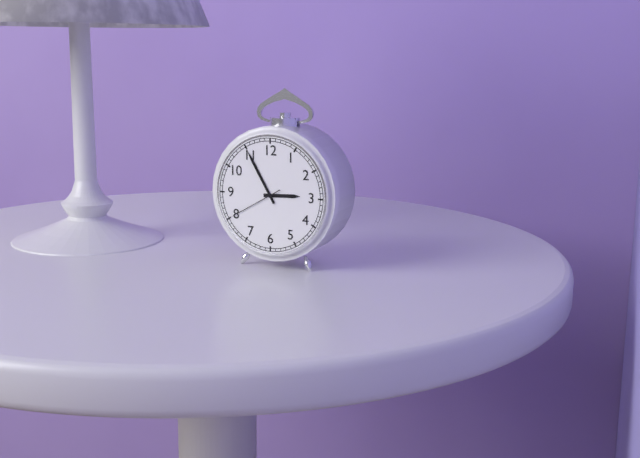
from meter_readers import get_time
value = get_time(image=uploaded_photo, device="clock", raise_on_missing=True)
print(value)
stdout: 2:55:40
